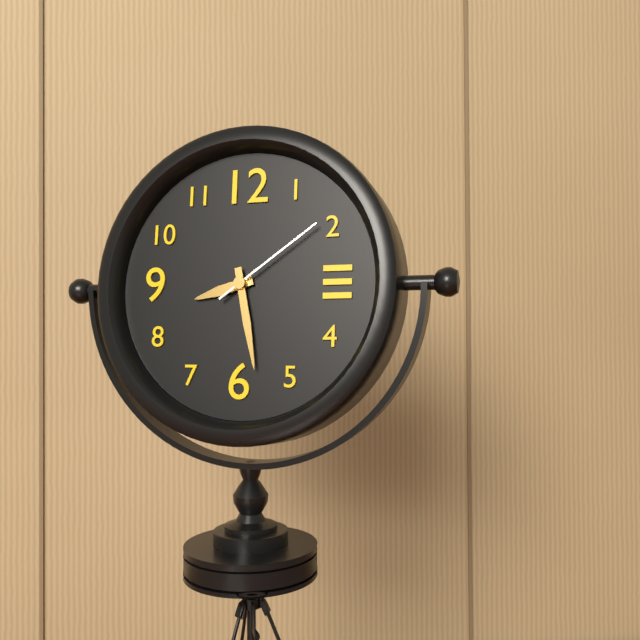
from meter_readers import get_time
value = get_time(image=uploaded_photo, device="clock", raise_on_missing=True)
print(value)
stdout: 8:28:09
